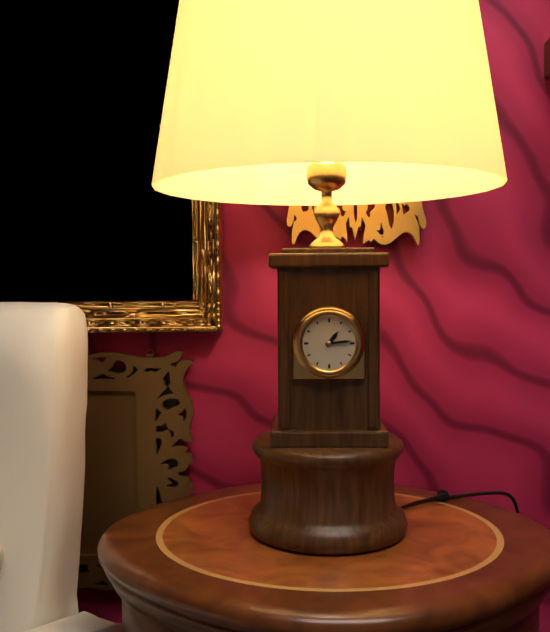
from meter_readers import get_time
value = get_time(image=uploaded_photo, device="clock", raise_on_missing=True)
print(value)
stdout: 1:14
